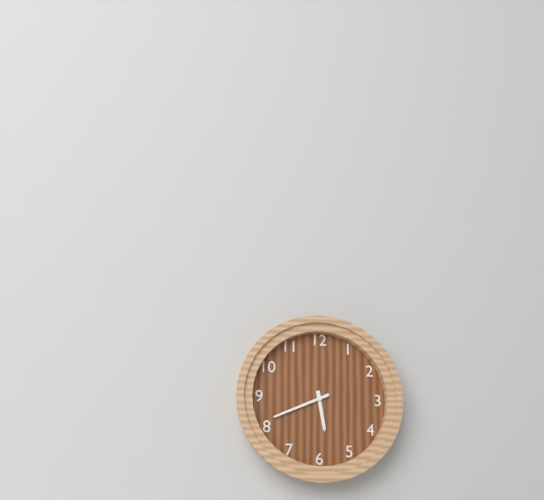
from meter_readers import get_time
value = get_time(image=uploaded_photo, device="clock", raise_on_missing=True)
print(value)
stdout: 5:41
